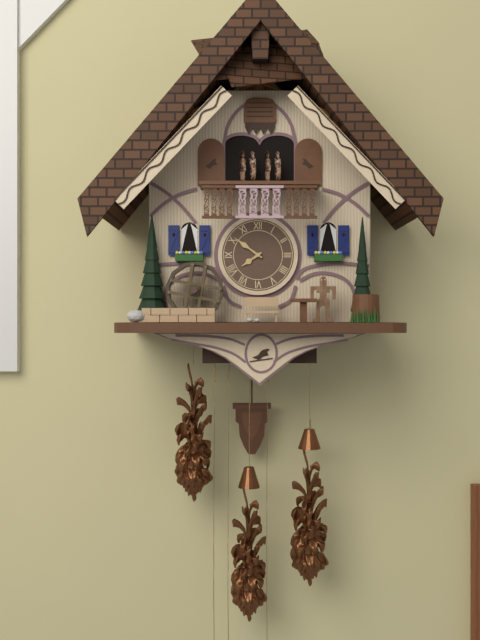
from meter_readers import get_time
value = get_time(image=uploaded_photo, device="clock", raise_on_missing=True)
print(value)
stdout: 7:51
